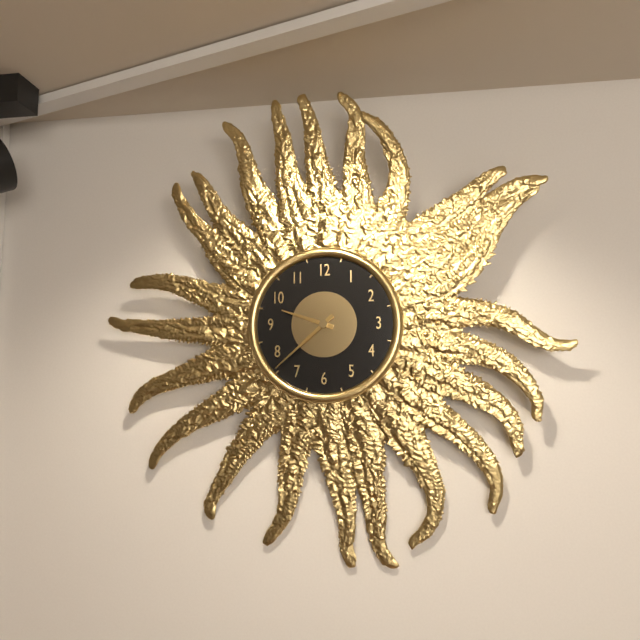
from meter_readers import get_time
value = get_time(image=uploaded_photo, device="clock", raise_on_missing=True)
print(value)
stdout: 9:38
